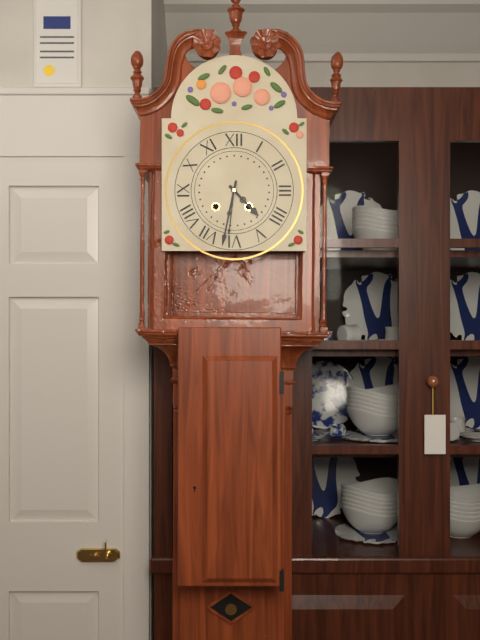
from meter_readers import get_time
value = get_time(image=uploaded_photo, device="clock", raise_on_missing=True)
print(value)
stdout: 4:32
